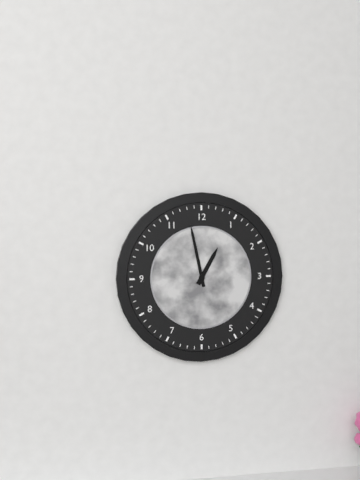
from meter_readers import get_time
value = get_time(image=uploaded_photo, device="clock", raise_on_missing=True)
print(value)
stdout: 12:58
